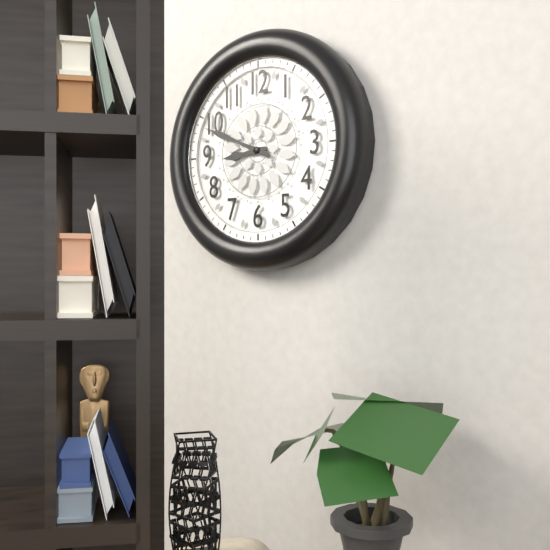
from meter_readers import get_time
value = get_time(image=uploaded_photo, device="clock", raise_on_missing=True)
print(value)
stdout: 8:49
